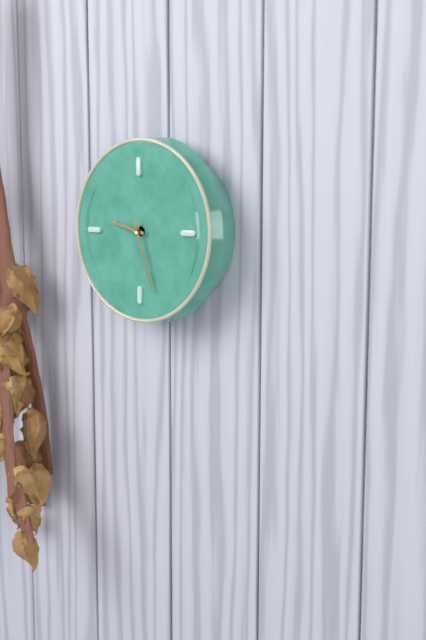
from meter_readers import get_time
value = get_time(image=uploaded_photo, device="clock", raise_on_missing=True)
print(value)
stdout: 9:27
